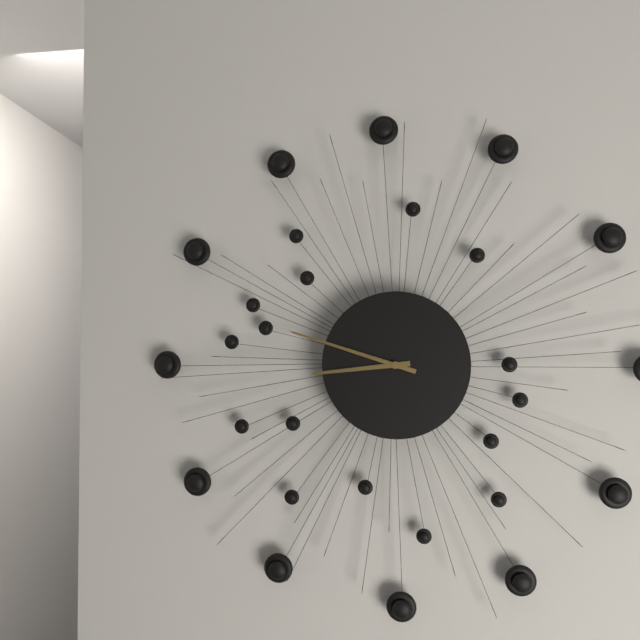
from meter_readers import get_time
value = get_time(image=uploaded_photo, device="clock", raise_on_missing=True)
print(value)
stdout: 8:48
